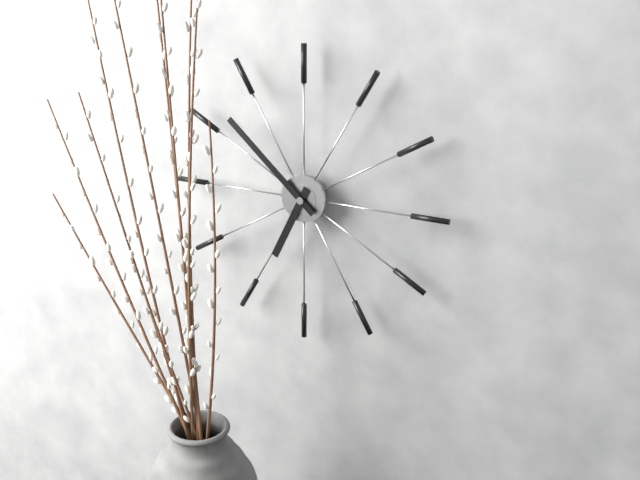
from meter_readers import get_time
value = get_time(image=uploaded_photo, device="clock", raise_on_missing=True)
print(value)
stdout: 6:52
